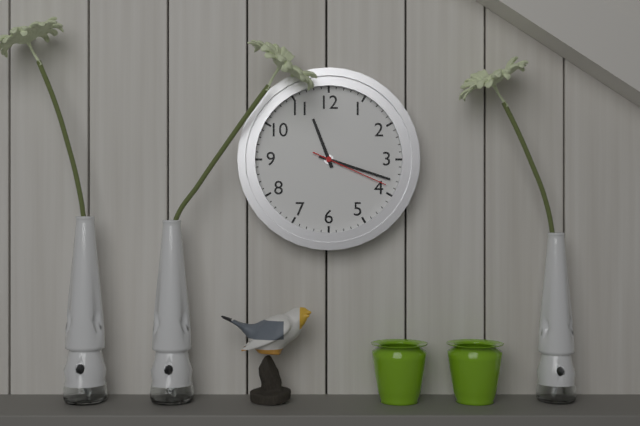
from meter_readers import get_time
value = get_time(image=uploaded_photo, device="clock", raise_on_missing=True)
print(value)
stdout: 11:18:19
